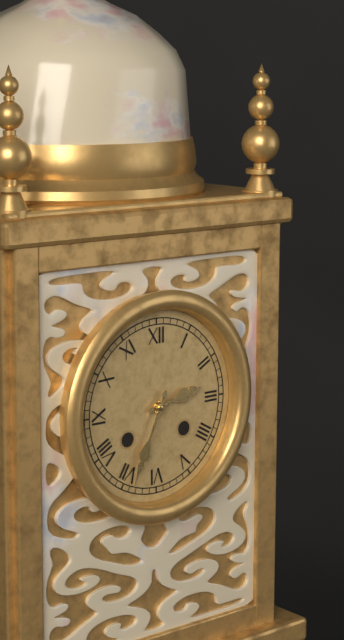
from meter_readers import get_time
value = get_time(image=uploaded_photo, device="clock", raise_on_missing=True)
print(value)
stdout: 2:34
